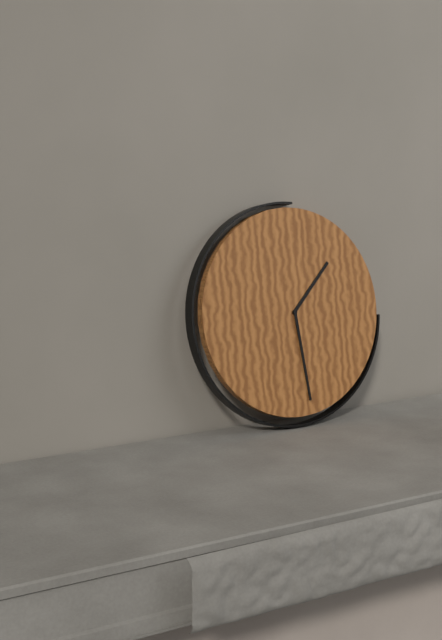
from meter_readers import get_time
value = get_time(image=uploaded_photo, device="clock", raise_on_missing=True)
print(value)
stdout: 1:29
